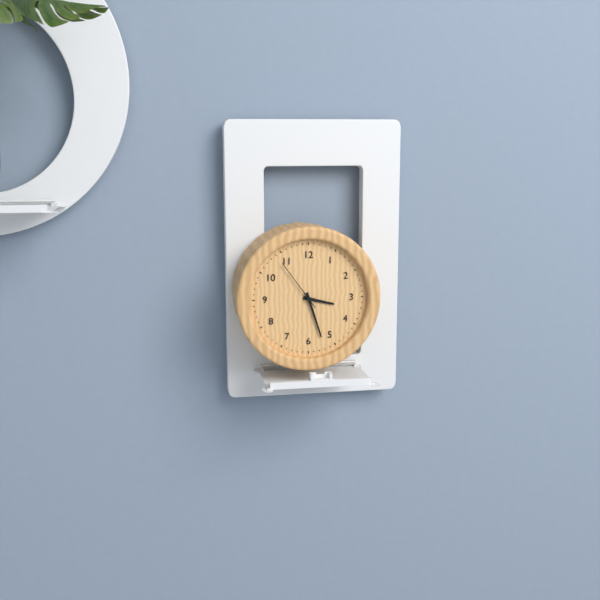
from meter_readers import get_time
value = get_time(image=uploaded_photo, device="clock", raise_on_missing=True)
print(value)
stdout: 3:27:54
